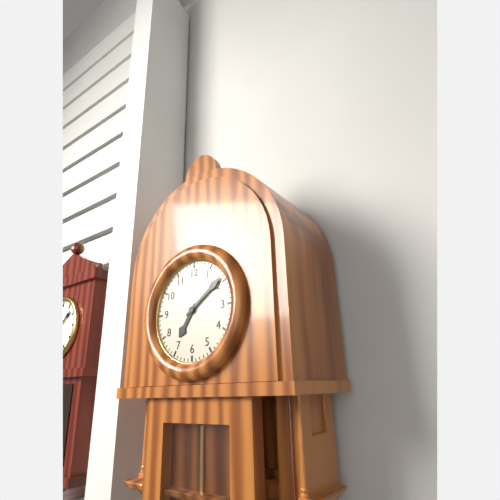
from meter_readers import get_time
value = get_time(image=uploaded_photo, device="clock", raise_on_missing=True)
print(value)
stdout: 7:09
